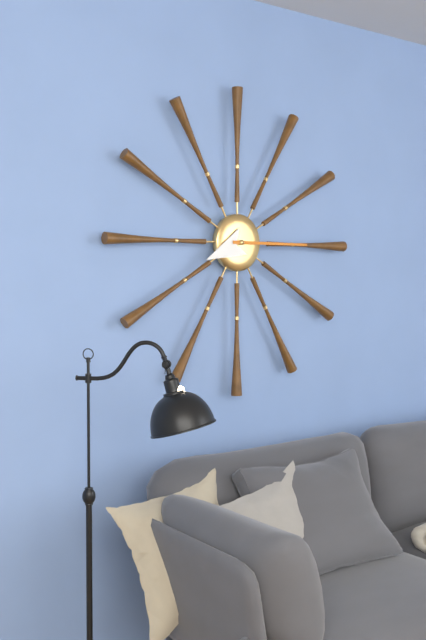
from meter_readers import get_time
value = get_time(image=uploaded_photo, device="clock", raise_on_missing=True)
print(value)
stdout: 8:15
